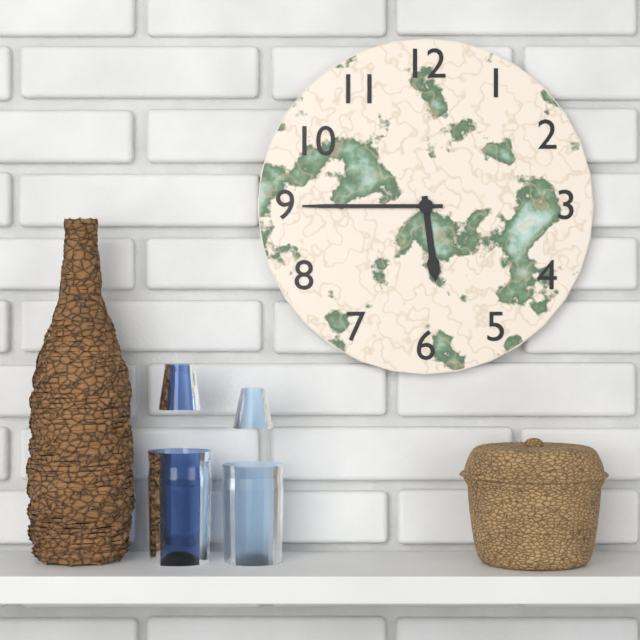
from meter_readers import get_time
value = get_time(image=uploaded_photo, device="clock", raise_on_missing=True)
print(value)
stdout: 5:45
